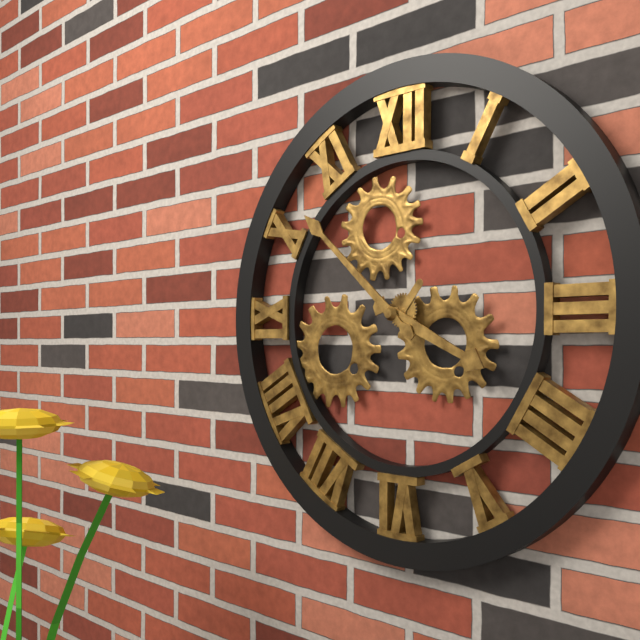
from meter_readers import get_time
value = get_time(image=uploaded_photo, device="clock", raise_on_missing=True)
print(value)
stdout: 3:52
